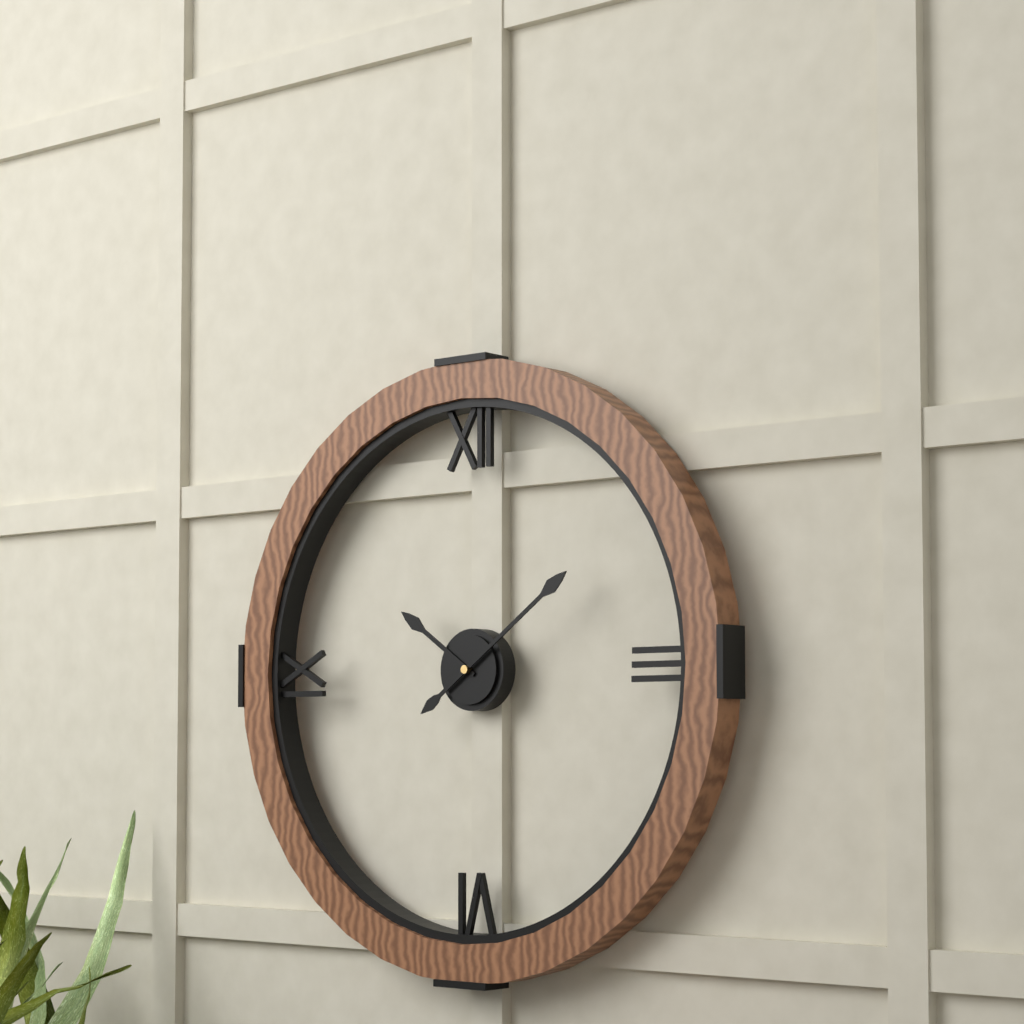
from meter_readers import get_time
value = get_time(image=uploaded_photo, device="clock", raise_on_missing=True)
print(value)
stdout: 10:09
